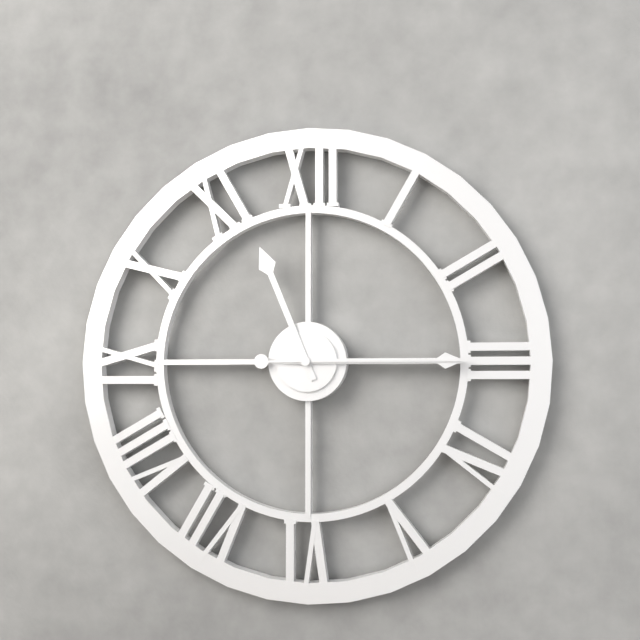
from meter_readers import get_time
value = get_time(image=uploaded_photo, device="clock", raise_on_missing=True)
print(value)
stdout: 11:15:15
